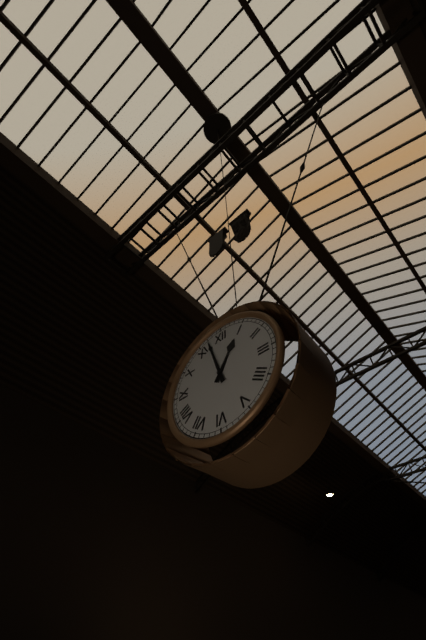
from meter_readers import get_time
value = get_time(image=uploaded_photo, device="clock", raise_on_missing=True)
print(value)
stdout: 12:57
